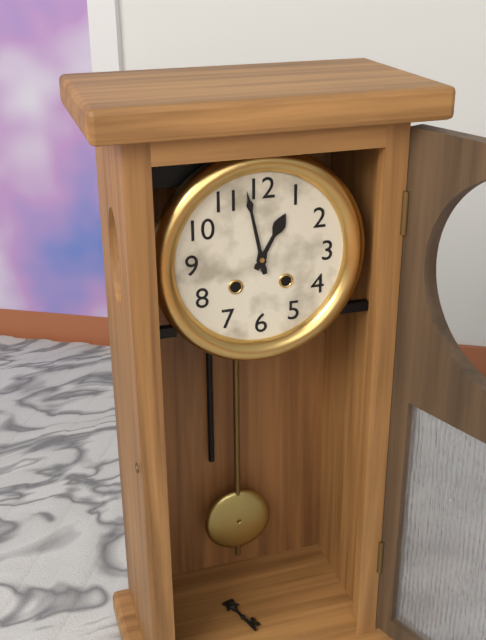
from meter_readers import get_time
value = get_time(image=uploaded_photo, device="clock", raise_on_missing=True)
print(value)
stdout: 12:58
